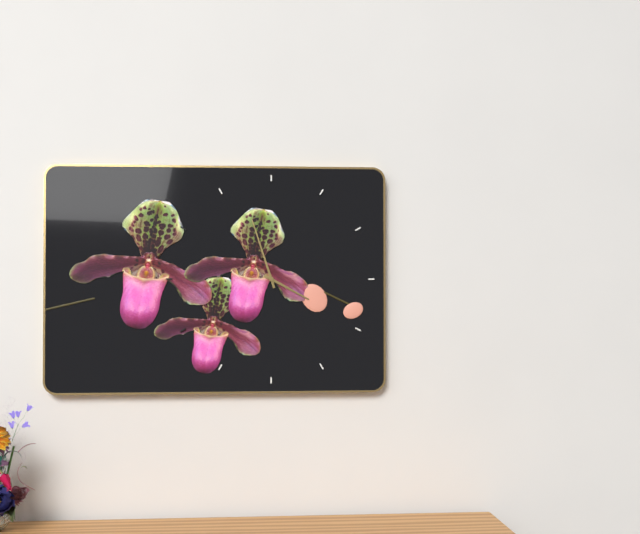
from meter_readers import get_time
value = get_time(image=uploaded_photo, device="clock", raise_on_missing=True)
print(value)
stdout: 3:57
